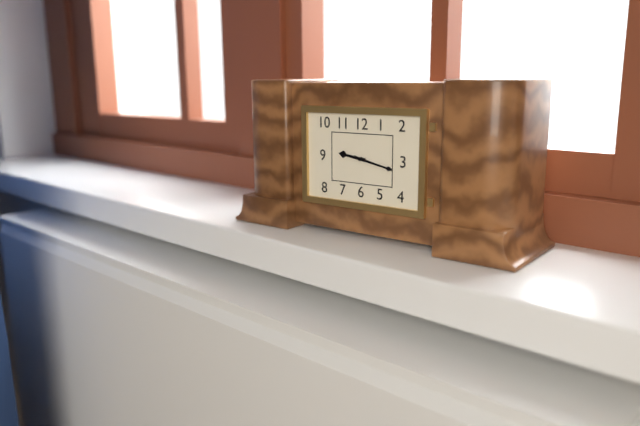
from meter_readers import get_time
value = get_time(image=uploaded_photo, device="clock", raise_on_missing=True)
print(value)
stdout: 9:17
